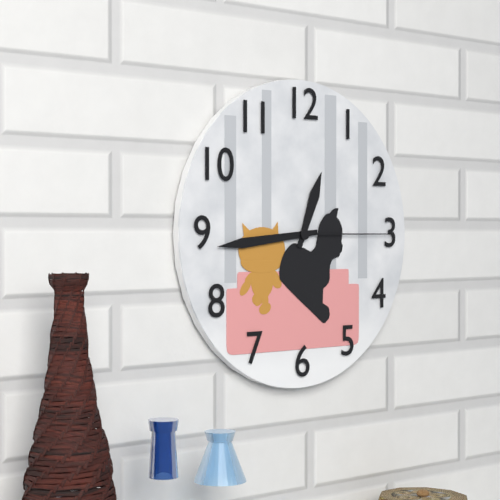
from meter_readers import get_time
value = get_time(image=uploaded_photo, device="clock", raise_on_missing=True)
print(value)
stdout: 12:44:15
